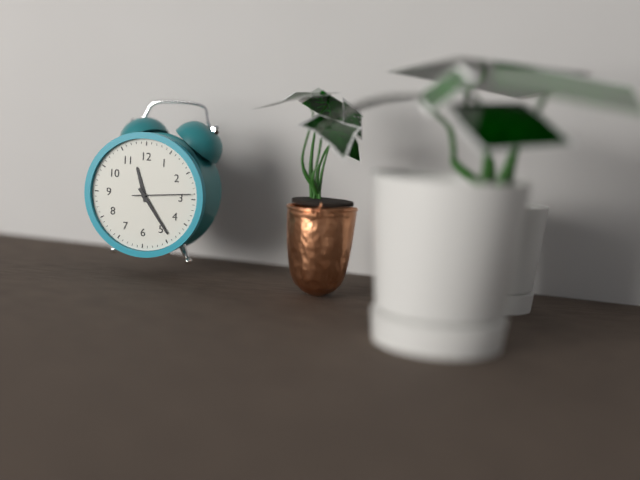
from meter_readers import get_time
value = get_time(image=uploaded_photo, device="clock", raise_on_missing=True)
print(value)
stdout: 11:24:14
